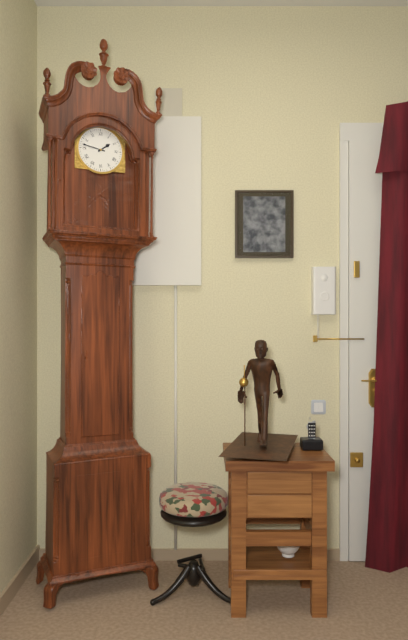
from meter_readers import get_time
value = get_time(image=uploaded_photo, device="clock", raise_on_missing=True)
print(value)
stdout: 1:47
